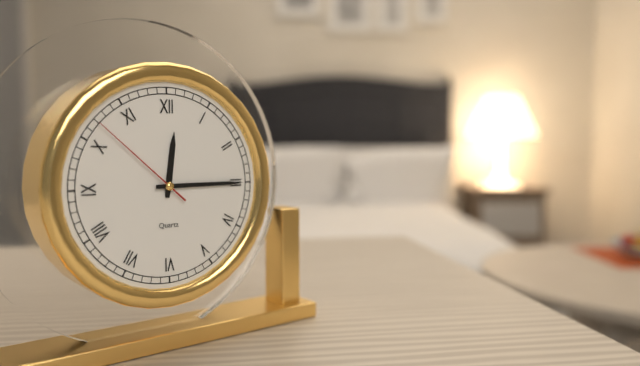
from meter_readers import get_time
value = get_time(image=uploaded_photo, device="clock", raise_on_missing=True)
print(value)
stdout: 12:15:52
